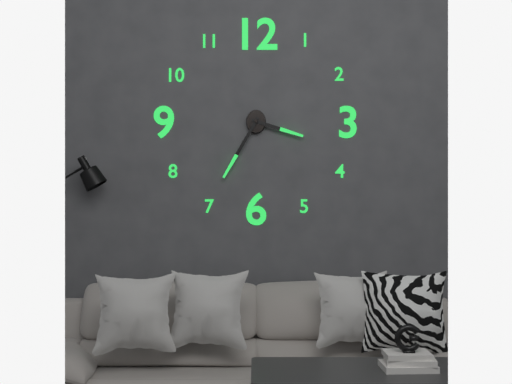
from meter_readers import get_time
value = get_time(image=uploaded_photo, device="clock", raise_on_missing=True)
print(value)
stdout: 3:35
